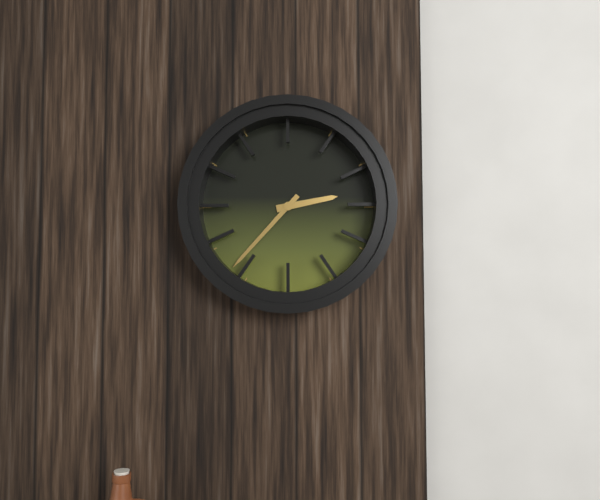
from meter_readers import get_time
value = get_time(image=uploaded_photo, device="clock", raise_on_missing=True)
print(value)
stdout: 2:37
